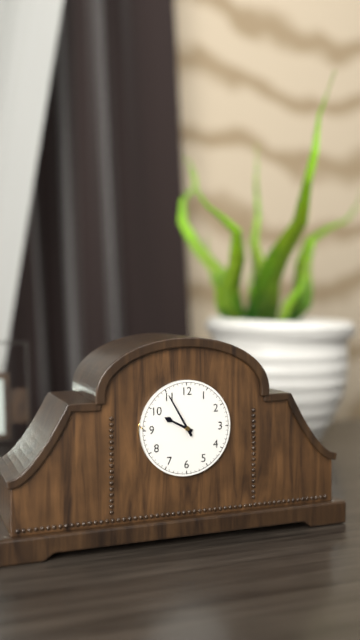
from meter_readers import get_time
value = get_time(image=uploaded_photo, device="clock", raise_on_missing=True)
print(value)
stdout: 9:55
